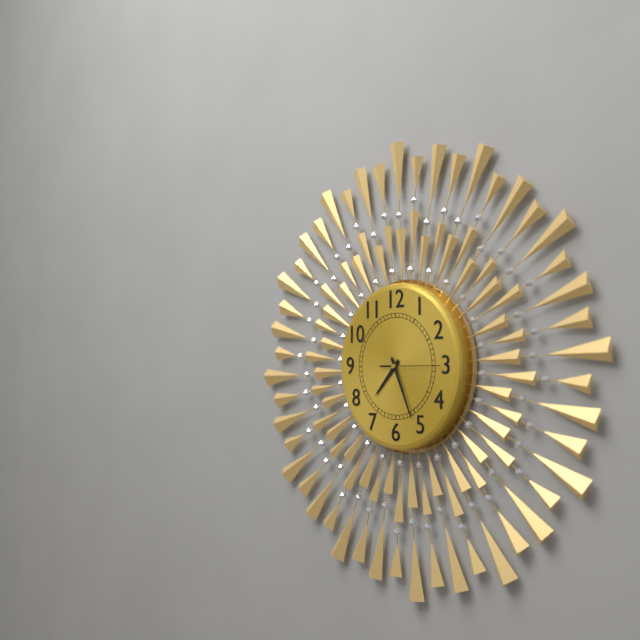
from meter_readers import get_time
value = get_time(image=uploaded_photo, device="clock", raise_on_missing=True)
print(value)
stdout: 7:26:15
